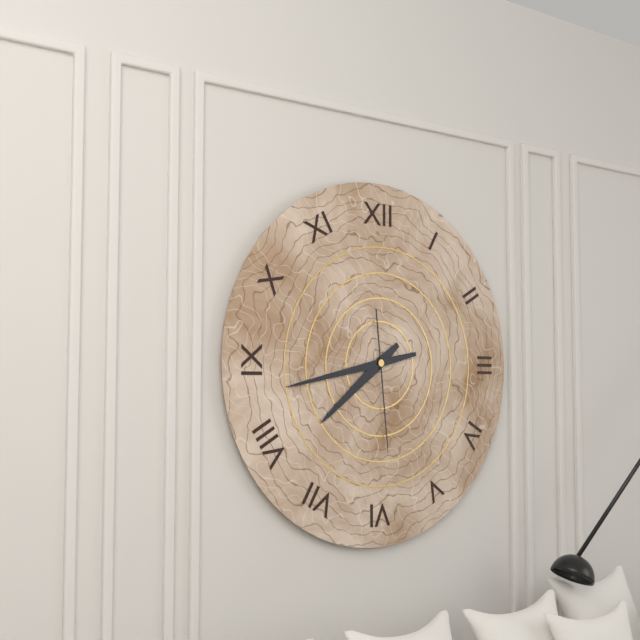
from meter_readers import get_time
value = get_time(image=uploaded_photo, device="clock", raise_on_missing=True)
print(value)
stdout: 7:43:29
